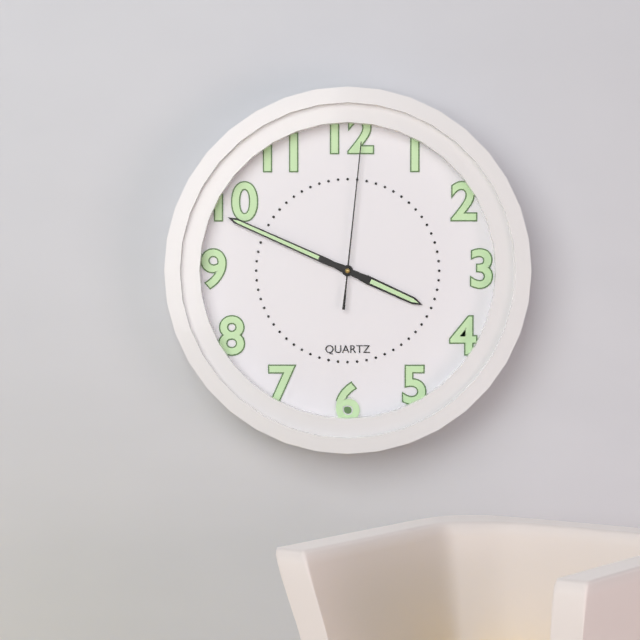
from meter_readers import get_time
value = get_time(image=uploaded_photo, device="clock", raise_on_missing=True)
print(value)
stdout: 3:49:01
